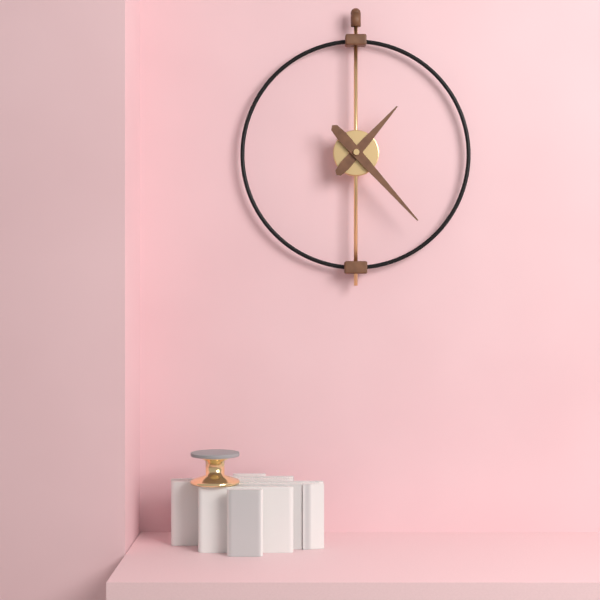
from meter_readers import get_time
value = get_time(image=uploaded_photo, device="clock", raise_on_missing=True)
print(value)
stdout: 1:23
